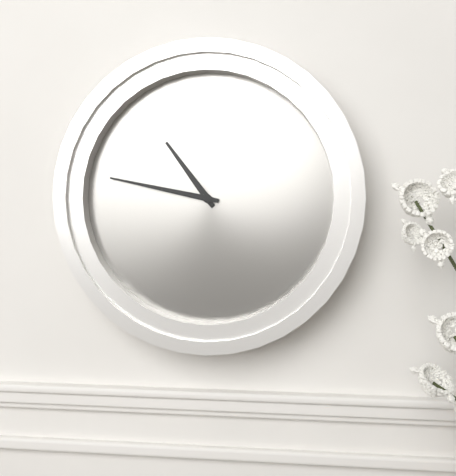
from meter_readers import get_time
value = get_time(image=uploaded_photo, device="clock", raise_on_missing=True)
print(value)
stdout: 10:47
